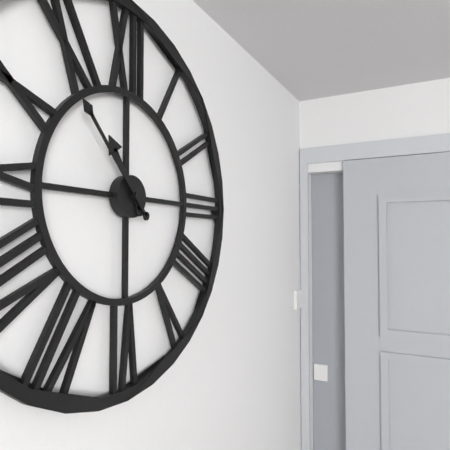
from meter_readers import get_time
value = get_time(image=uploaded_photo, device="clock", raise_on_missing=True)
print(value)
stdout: 10:53
